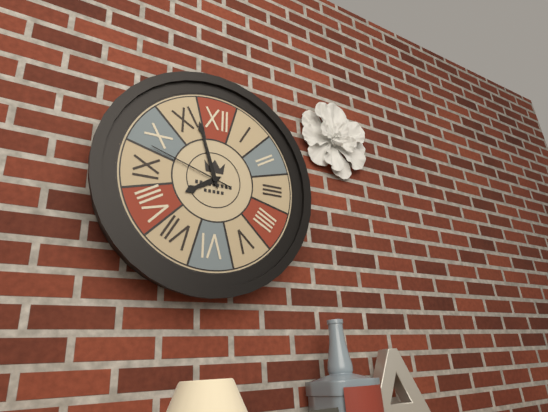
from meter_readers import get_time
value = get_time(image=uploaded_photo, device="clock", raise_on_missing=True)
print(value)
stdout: 7:57:48
